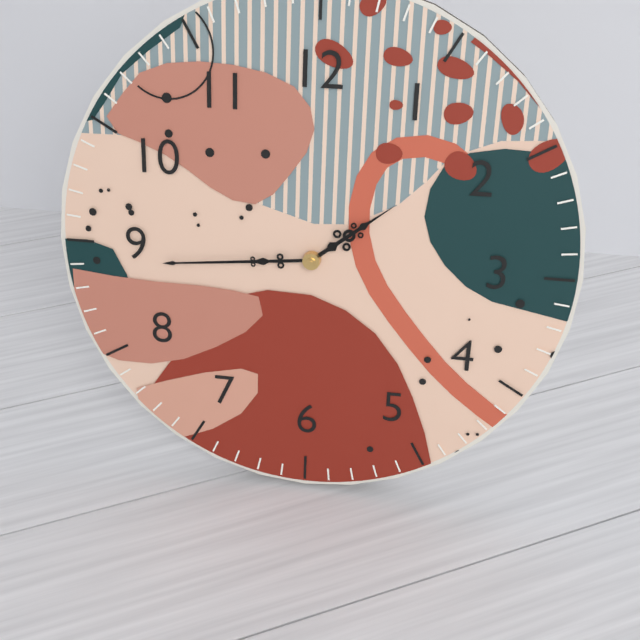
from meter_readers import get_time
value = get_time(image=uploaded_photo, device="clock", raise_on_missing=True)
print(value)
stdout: 1:44
